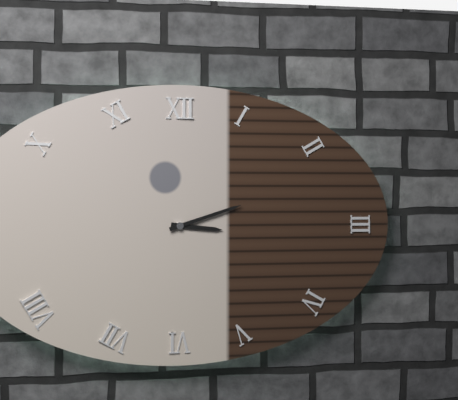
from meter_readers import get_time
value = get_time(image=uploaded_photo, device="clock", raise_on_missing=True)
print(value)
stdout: 3:12
